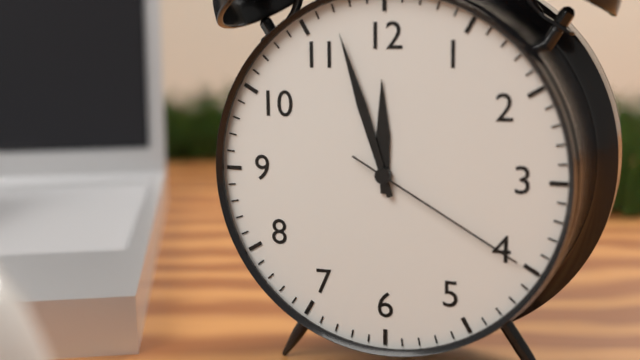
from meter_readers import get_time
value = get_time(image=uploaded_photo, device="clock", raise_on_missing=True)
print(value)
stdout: 11:57:20
